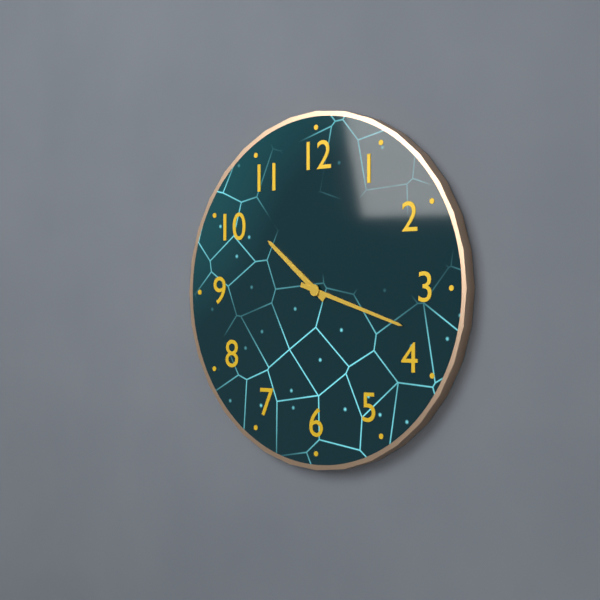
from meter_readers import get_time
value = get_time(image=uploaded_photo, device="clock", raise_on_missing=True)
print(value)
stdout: 10:18
